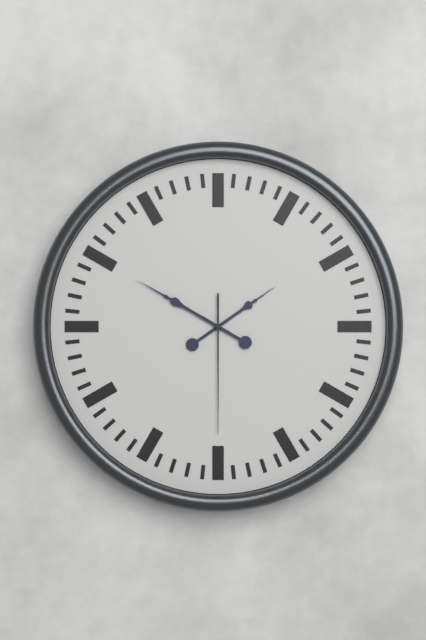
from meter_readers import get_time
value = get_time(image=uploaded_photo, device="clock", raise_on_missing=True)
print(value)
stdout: 1:50:30
